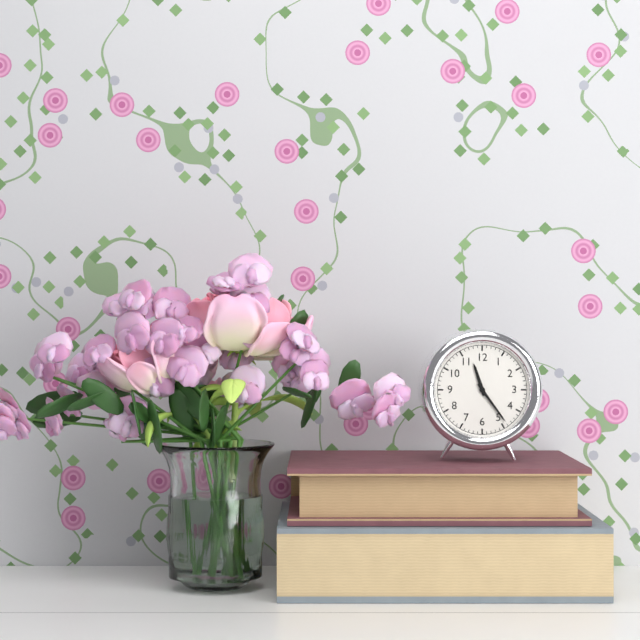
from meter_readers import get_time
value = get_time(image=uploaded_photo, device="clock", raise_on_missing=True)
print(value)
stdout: 11:24
